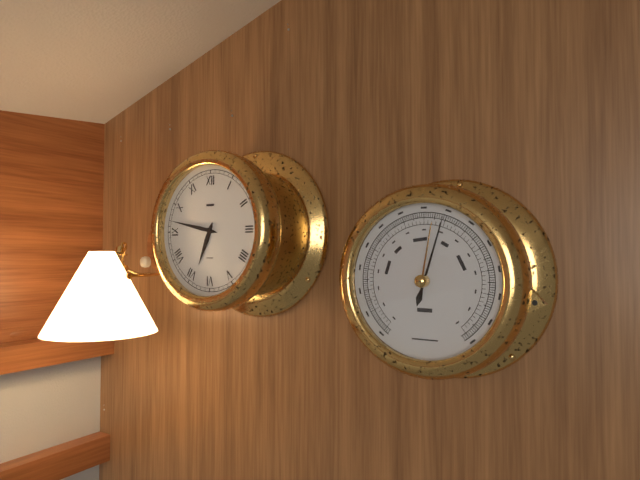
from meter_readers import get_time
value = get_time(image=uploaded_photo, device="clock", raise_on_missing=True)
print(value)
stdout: 6:47
